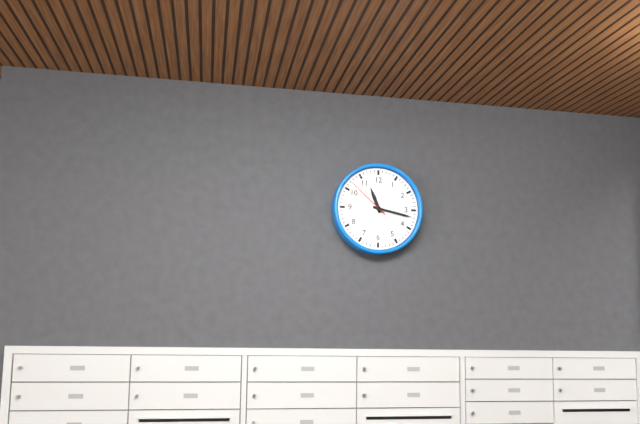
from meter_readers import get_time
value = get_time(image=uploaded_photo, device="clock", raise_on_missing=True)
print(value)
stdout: 11:17
